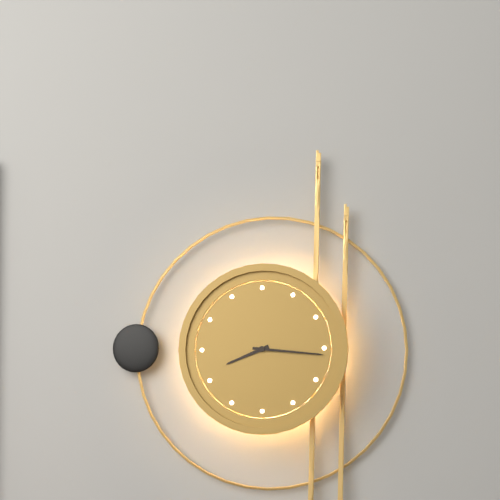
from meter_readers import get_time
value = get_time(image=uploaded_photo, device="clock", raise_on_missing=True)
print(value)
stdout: 8:16
